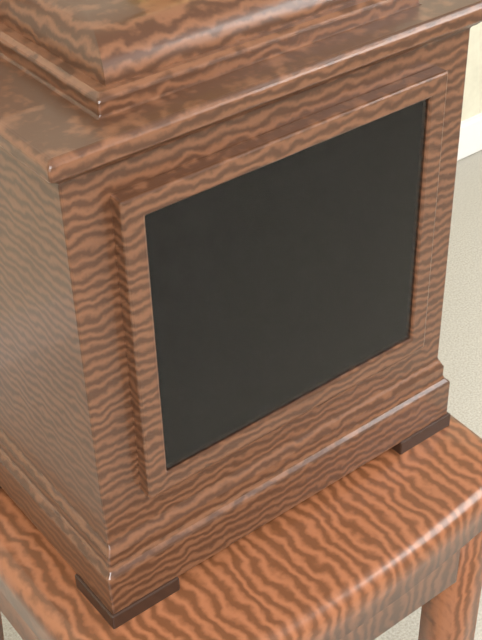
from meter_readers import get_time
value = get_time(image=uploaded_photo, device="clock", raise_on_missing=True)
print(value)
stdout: 6:41
